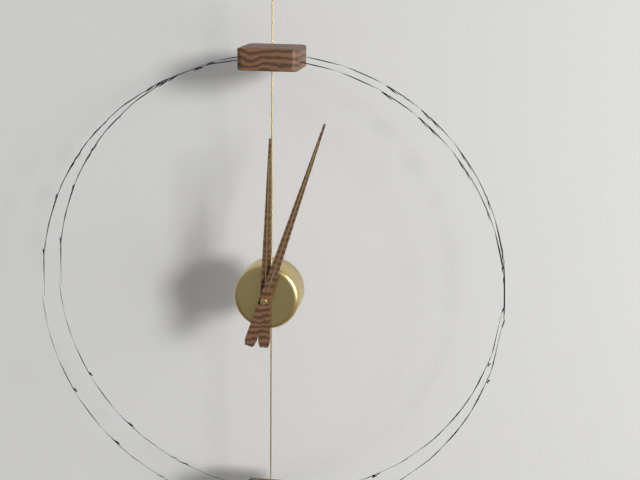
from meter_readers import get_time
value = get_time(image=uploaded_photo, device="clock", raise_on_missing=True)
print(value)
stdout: 12:03
